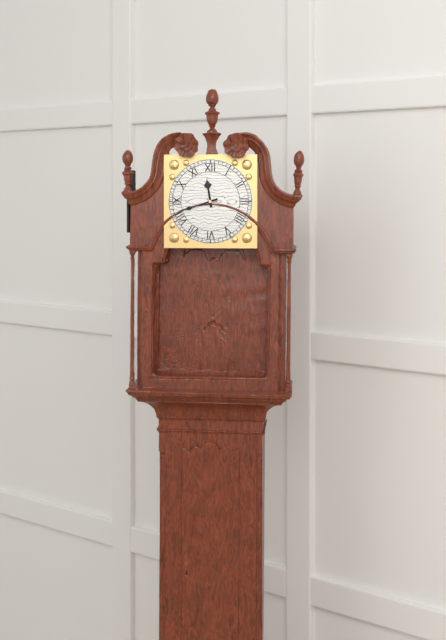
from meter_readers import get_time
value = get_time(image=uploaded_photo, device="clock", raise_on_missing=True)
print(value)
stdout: 11:42
